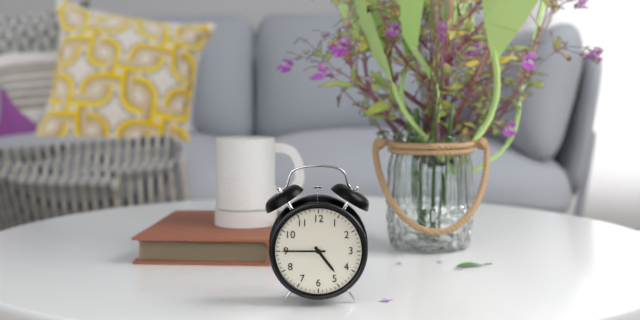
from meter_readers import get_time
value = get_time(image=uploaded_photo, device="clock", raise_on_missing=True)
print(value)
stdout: 4:45
